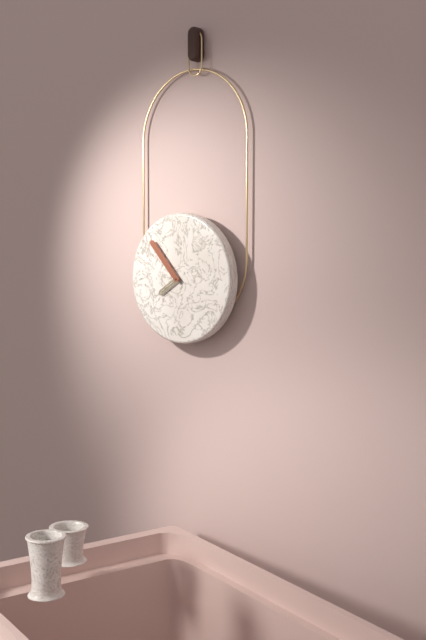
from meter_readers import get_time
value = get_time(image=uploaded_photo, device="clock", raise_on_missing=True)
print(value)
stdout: 7:53
